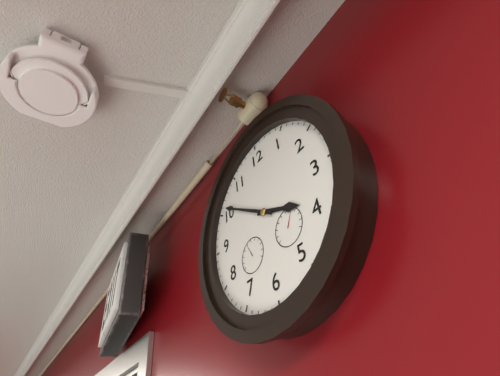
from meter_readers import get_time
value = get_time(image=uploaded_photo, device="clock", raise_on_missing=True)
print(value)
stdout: 3:51
